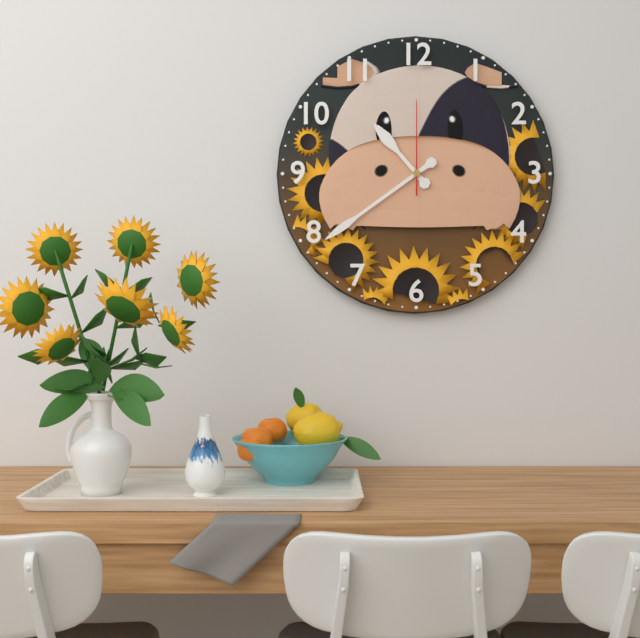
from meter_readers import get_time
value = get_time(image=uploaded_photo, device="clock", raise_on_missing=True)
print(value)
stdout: 10:39:00
